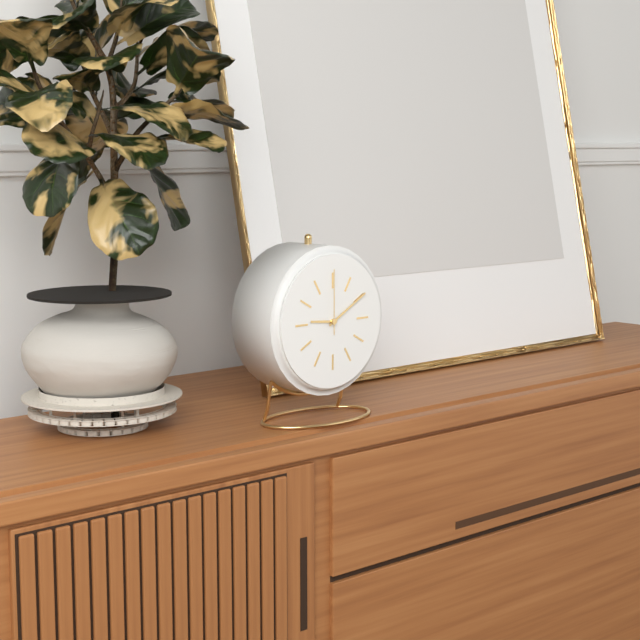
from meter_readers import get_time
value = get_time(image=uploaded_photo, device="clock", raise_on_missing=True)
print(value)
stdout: 9:10:00
